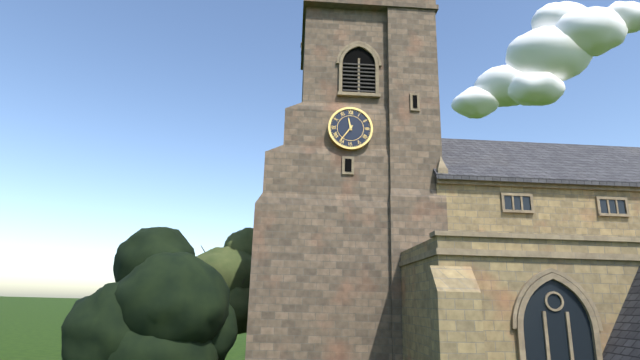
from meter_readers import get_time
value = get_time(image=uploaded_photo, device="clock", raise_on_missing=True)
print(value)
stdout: 11:36
